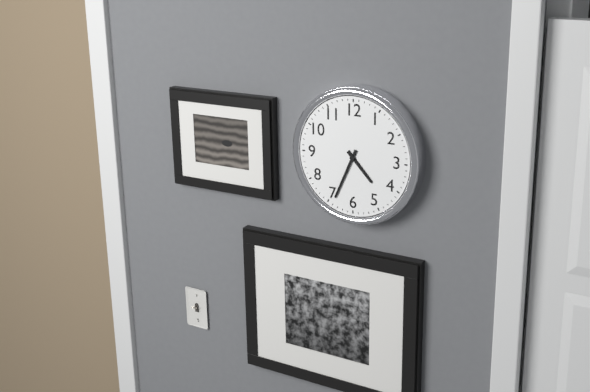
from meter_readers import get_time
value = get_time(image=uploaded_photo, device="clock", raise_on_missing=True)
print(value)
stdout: 4:34
